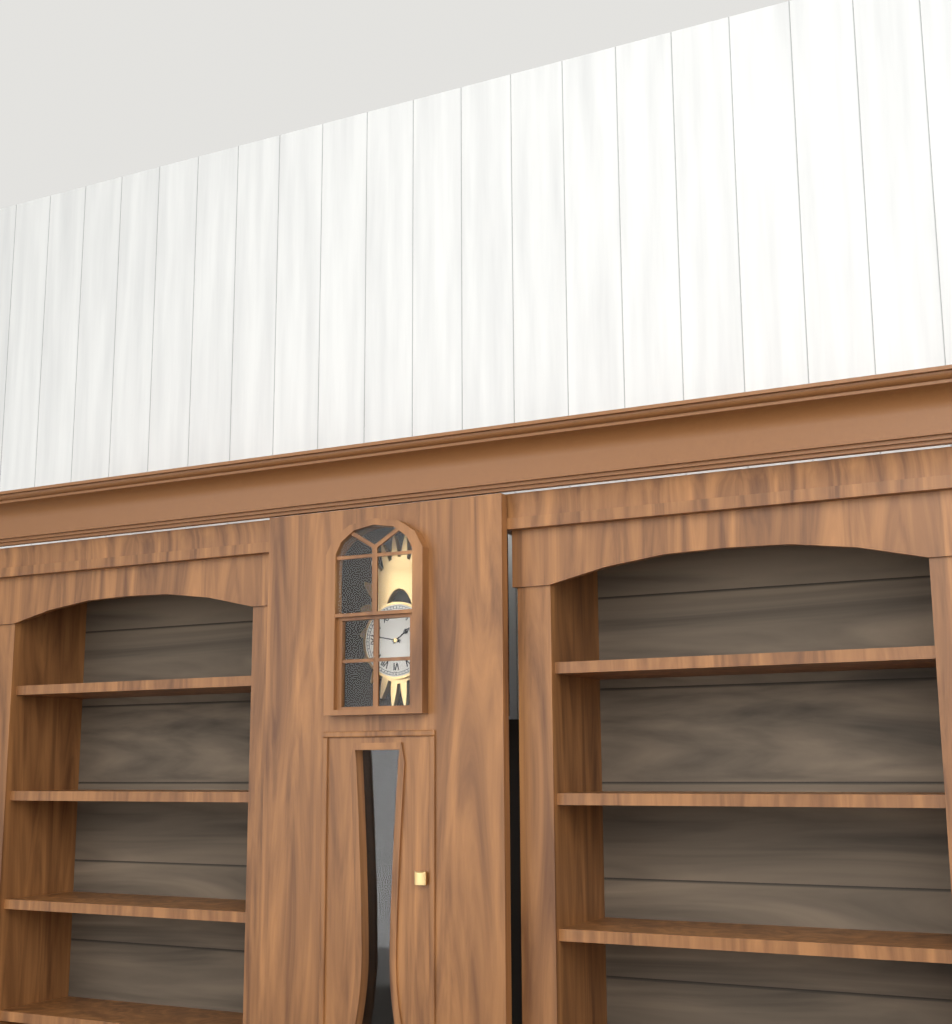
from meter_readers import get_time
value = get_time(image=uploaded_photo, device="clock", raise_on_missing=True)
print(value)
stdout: 1:47
